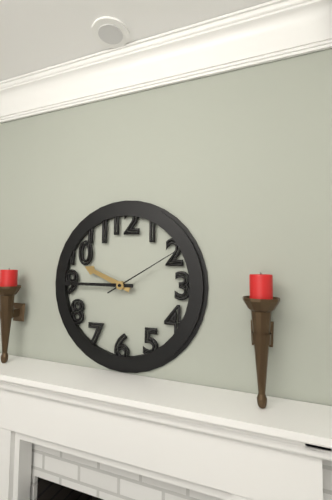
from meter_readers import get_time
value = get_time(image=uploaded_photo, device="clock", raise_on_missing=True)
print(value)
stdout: 9:45:10
